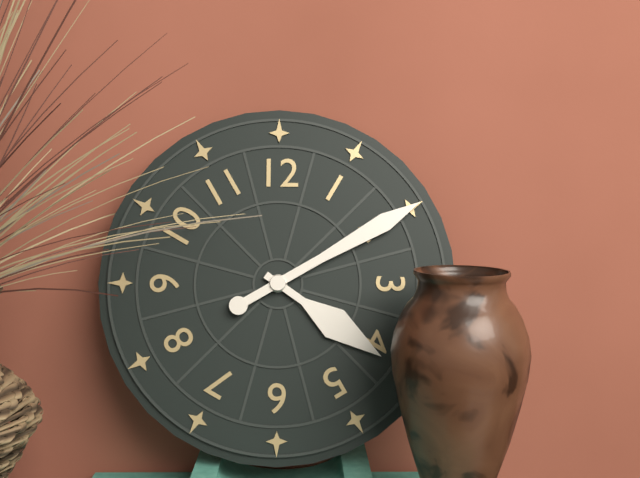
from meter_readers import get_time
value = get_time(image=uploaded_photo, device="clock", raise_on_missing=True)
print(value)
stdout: 4:10
